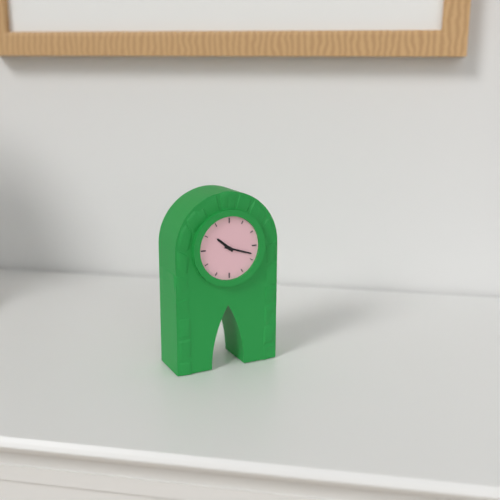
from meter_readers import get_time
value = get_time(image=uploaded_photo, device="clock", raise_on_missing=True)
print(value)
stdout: 10:18
